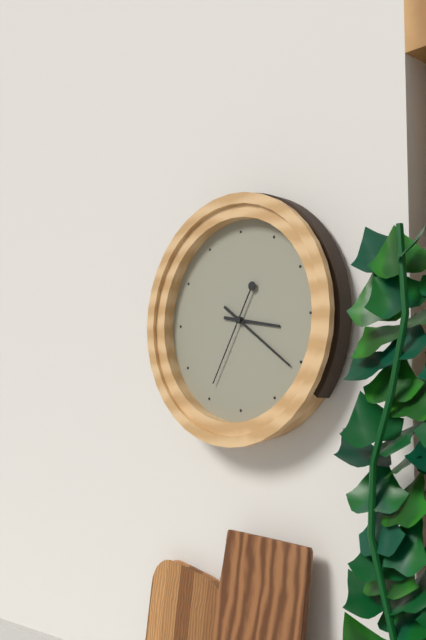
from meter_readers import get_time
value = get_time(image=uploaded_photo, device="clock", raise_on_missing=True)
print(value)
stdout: 3:21:35
